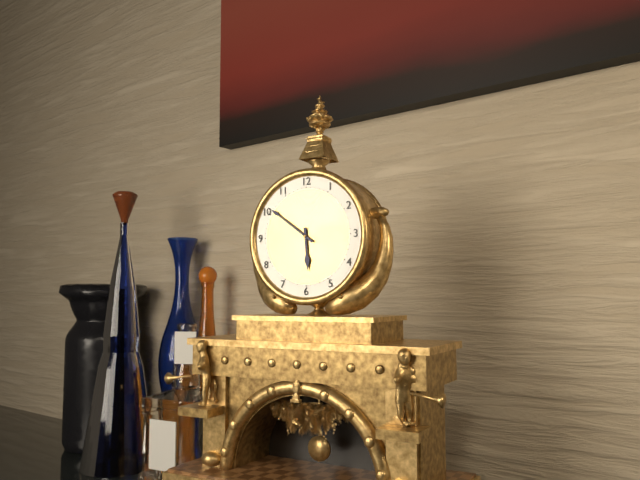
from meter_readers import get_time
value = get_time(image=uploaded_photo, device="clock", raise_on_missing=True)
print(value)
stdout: 5:51
